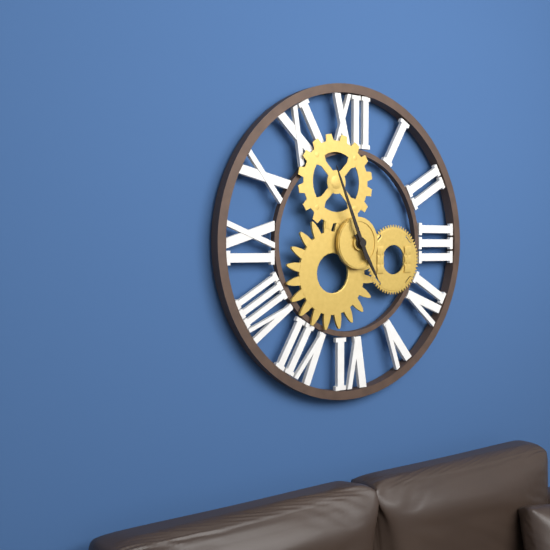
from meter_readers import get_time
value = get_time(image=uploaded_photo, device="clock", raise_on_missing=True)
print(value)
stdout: 4:56
